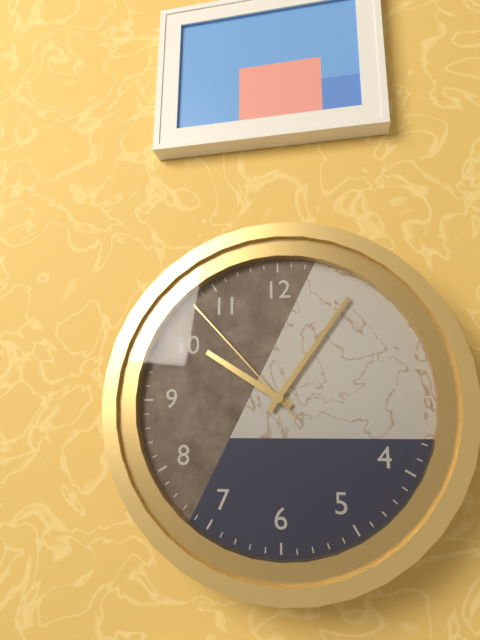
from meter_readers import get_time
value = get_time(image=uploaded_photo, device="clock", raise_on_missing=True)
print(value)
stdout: 10:06:53
